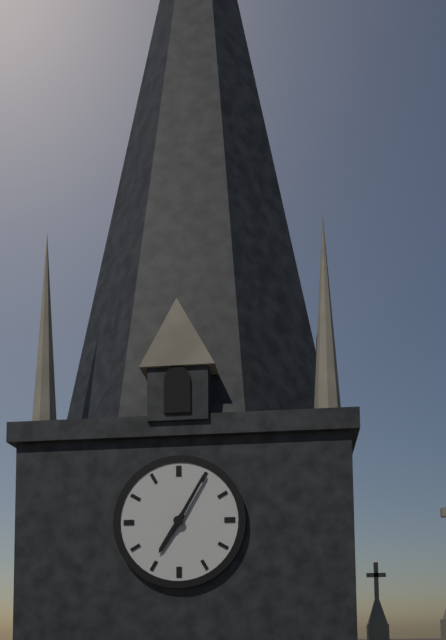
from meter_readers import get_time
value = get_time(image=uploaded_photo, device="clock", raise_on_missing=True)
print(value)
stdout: 7:05
